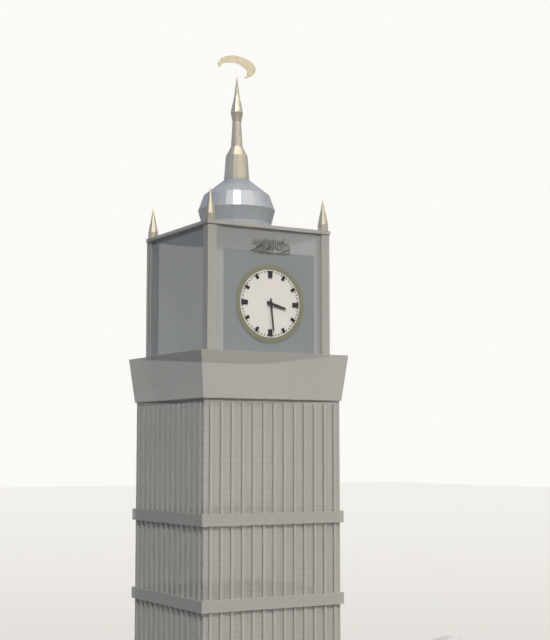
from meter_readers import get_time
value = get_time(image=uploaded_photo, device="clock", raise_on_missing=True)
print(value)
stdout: 3:29
